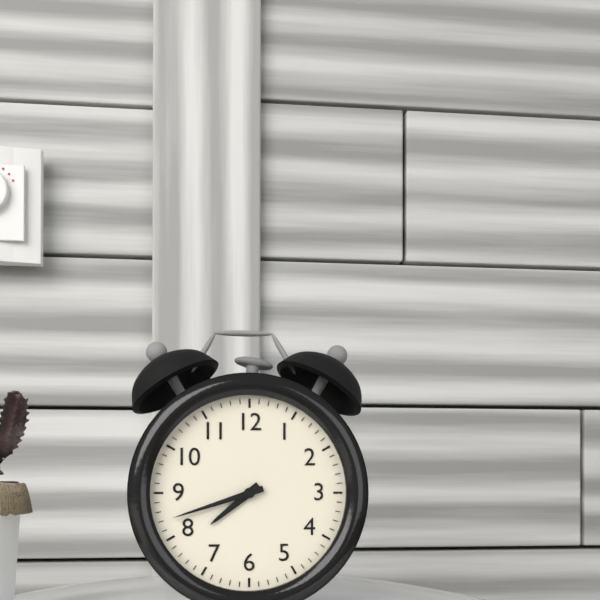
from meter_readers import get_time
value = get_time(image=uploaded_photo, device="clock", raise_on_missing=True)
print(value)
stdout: 7:42
